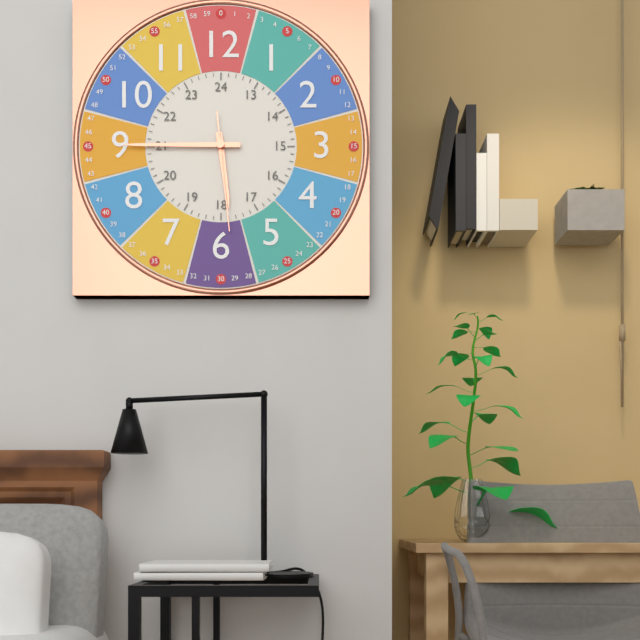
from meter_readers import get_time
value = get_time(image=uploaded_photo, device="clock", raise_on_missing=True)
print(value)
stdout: 5:45:29
